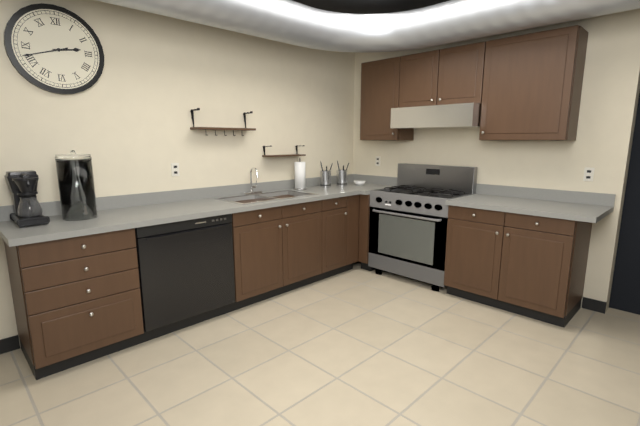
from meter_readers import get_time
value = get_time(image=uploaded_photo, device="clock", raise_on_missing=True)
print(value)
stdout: 2:42
